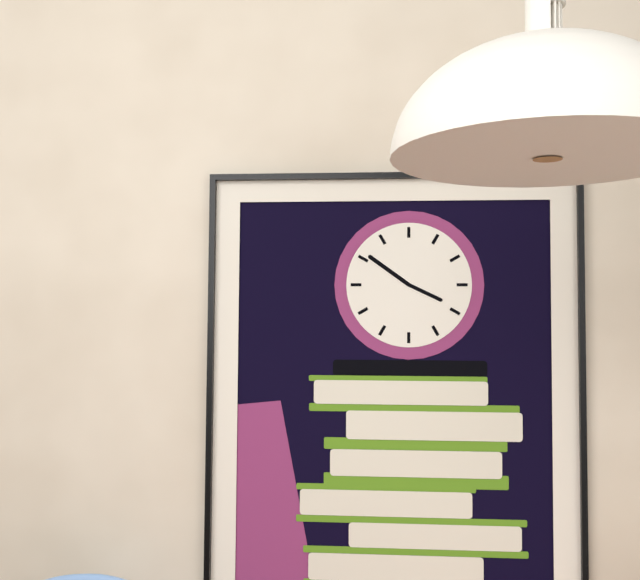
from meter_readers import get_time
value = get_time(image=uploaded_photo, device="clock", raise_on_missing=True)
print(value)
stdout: 3:51
